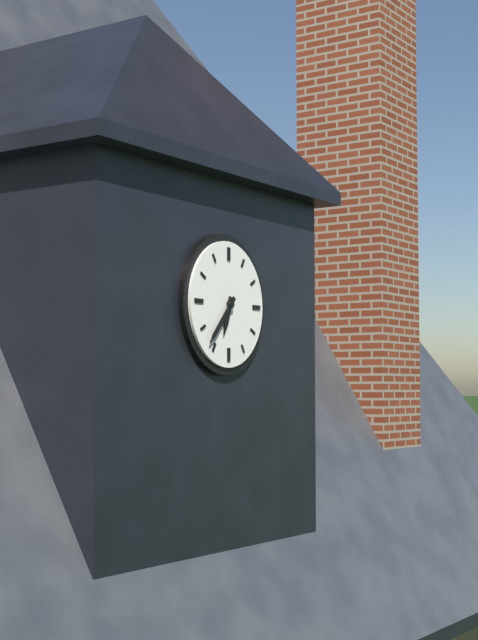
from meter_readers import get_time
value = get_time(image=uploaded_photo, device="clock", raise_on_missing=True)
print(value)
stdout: 6:37
